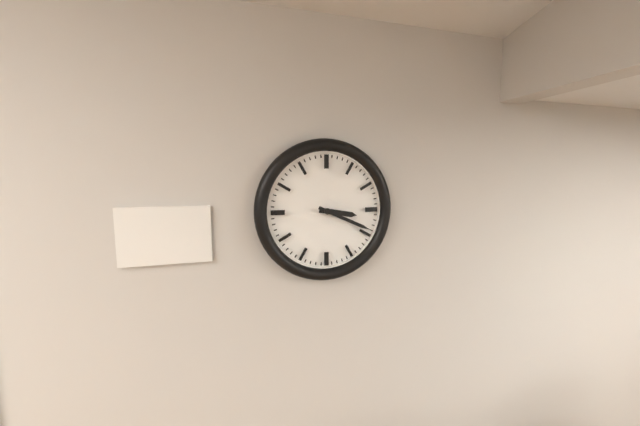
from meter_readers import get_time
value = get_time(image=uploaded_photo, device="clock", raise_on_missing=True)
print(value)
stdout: 3:19
